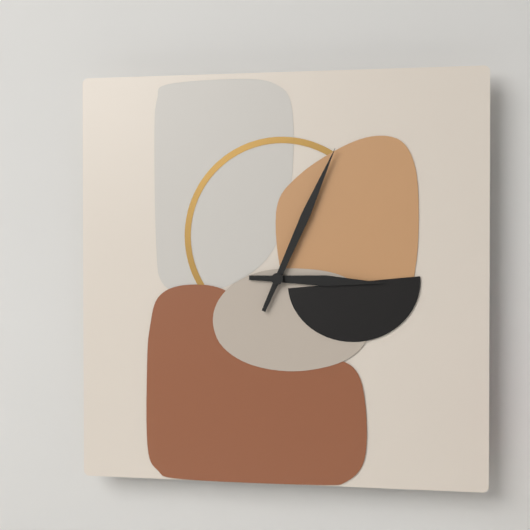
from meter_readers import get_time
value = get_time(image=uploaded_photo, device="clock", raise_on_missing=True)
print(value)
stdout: 3:04
